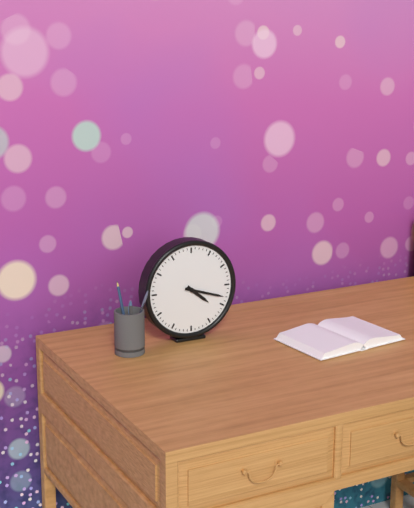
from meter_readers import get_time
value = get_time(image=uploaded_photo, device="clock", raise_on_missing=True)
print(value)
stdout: 4:18
